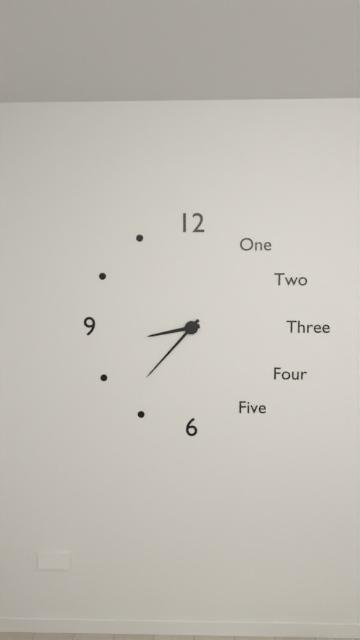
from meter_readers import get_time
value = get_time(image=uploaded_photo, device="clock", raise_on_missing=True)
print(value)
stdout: 8:37
